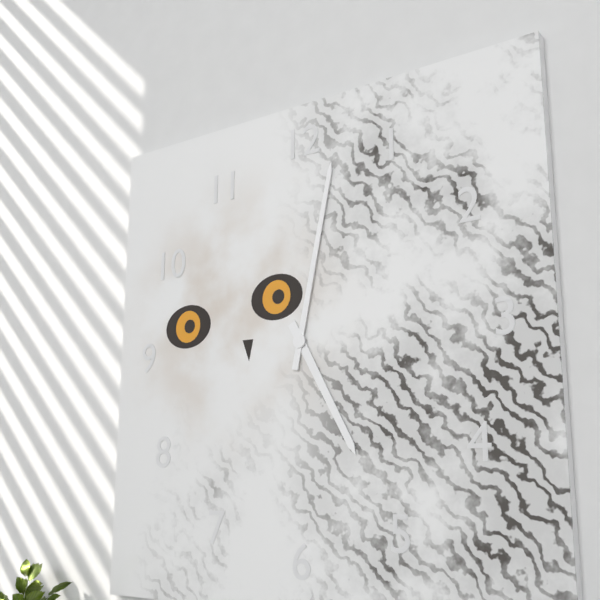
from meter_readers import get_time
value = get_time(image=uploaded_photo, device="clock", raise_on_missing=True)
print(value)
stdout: 5:02
